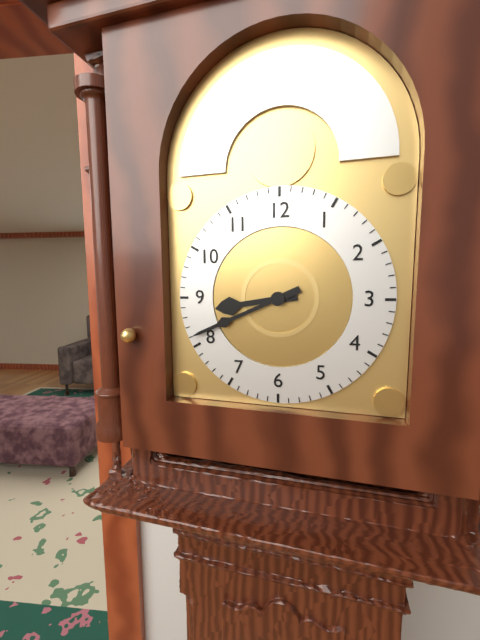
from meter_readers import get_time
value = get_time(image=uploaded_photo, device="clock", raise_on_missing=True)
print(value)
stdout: 8:41
